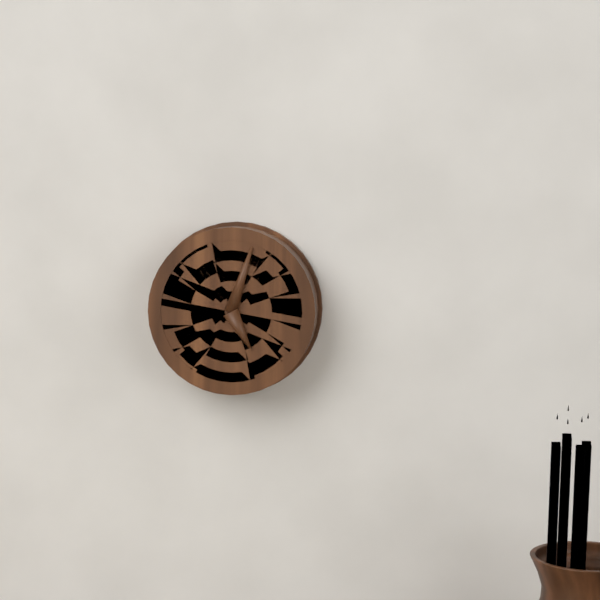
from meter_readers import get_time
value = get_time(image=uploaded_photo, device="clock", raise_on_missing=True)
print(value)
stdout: 5:03
